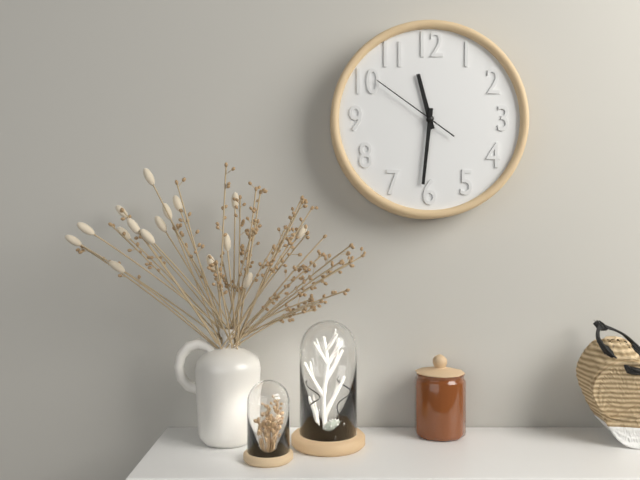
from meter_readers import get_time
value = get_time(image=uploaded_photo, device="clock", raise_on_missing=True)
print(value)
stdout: 11:31:51
